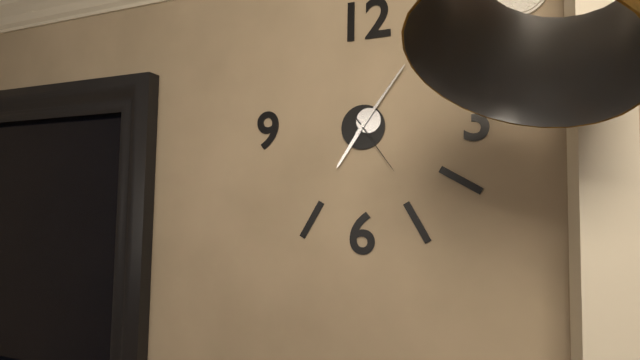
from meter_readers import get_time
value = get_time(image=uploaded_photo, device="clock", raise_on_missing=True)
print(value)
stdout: 7:06:24
